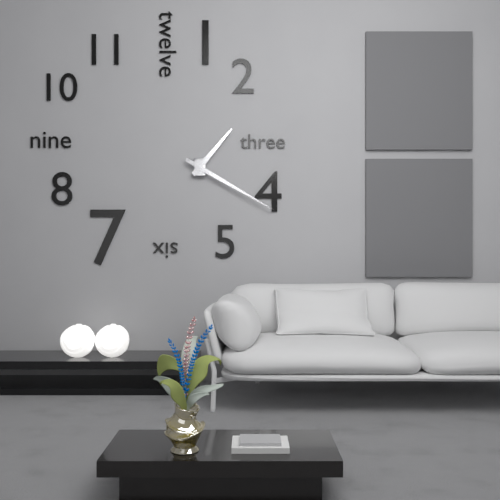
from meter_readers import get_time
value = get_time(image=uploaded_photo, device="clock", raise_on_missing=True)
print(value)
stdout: 1:20
